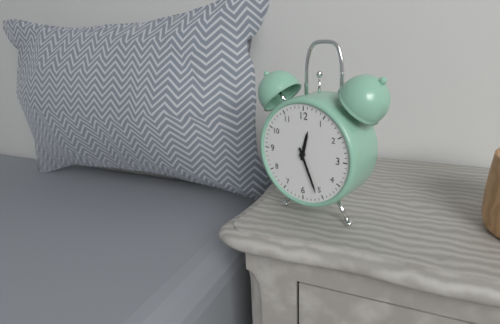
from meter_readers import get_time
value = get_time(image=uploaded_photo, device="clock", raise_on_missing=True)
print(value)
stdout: 12:26
